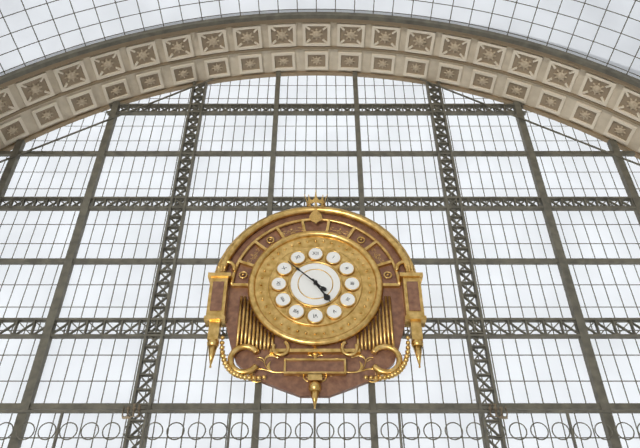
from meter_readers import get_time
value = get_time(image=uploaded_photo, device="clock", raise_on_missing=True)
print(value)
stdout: 4:52
